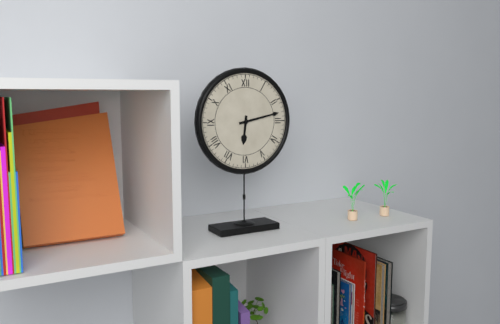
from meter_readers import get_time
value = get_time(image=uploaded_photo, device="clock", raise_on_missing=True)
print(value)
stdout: 6:13
